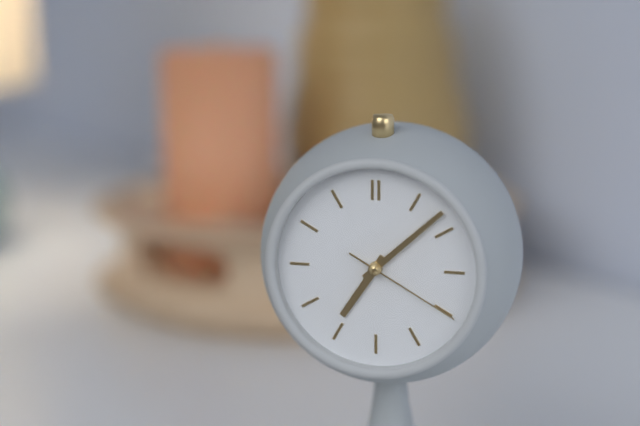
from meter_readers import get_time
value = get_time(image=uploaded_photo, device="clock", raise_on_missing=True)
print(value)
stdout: 7:08:20
